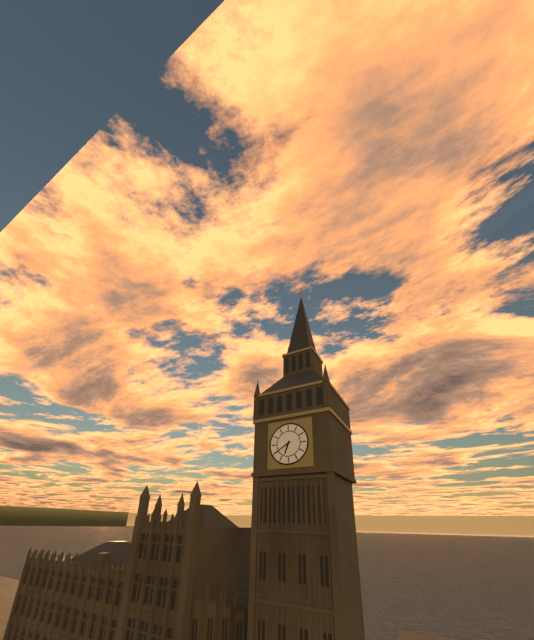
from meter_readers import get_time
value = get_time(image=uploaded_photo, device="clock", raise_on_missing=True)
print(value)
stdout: 6:40
